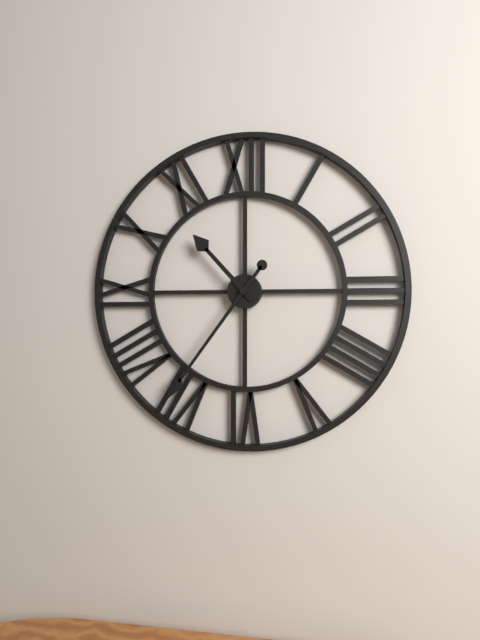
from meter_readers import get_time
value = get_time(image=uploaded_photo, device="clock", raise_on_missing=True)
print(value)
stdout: 10:36
